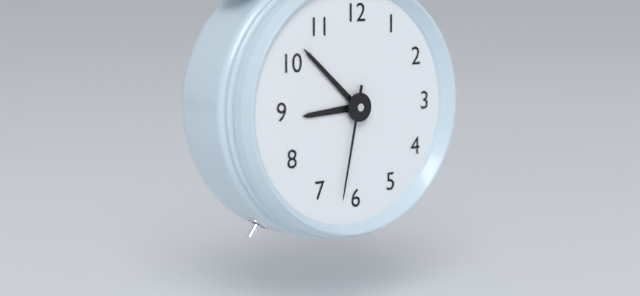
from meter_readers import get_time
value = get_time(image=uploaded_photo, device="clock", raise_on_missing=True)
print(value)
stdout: 8:52:32
